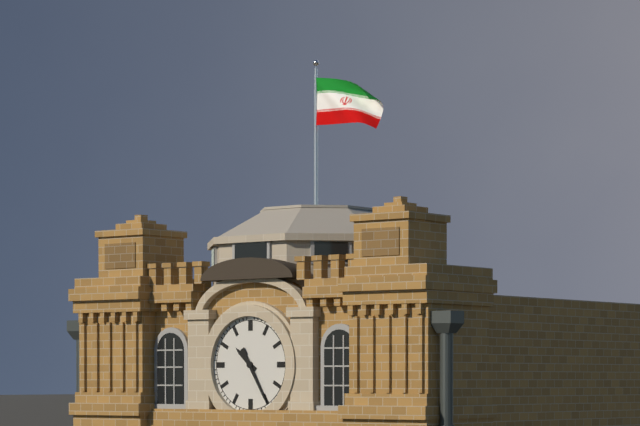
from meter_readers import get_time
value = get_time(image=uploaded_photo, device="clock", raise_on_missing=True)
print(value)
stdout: 10:25
